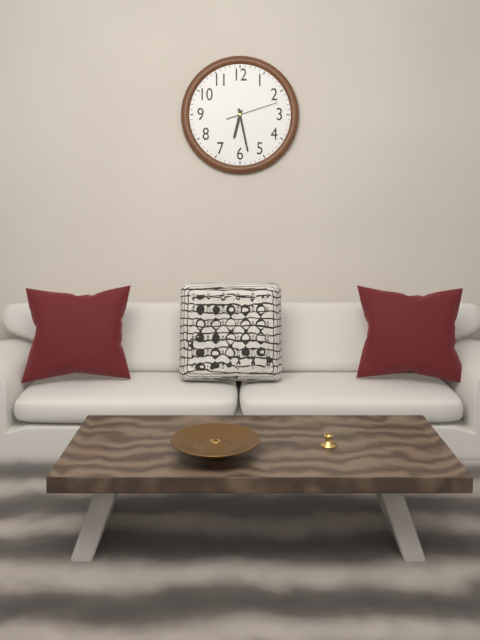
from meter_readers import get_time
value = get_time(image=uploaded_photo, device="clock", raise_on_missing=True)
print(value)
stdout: 6:28
